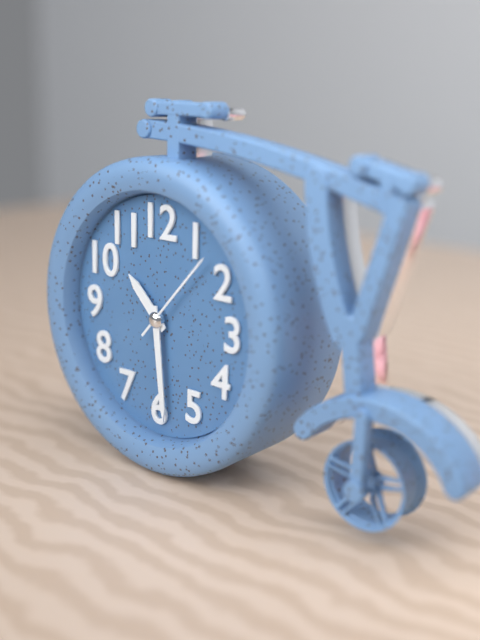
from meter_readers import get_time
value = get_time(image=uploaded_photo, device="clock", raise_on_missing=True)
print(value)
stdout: 10:29:07
